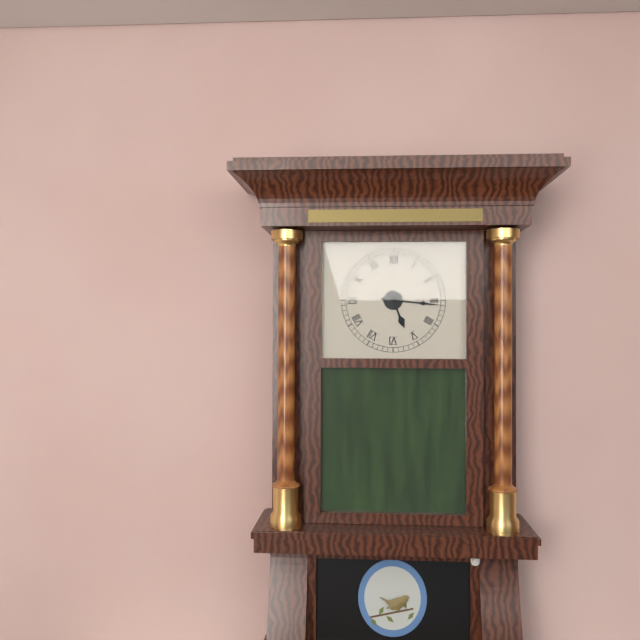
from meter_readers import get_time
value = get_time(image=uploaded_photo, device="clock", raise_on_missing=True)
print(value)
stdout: 5:16
